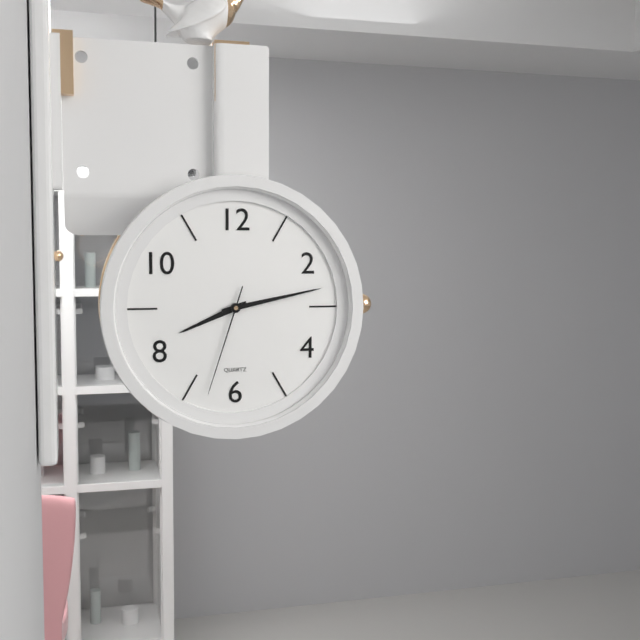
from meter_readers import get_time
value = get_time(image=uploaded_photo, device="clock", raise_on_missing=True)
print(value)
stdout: 8:13:33
